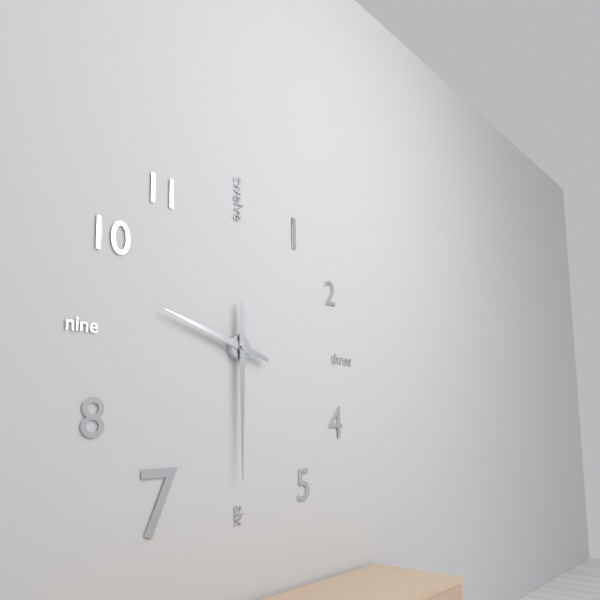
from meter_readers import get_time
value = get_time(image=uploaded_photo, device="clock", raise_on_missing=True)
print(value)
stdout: 9:30
